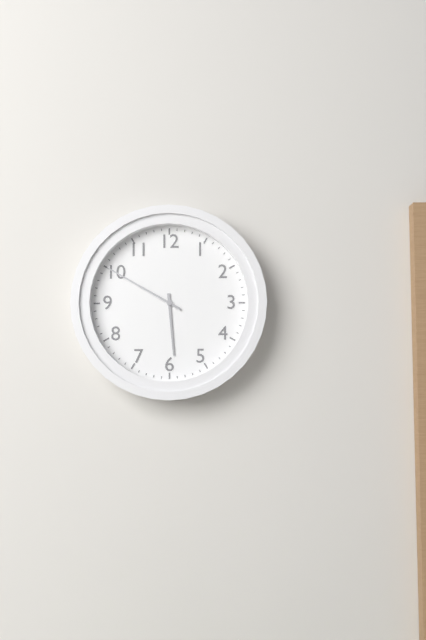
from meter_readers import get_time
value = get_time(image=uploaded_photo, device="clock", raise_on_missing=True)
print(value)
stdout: 5:50
